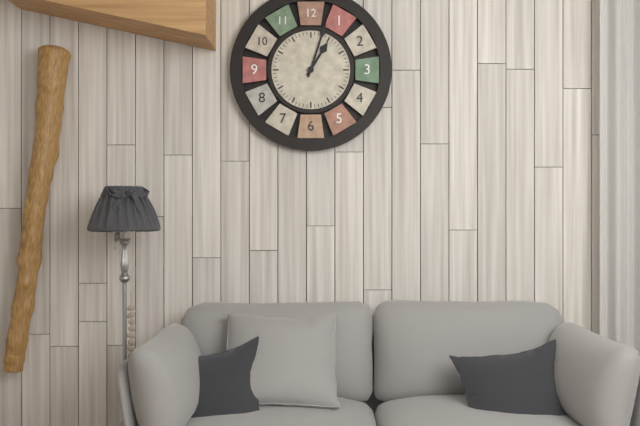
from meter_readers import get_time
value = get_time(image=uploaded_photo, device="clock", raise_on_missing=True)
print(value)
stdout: 1:03
